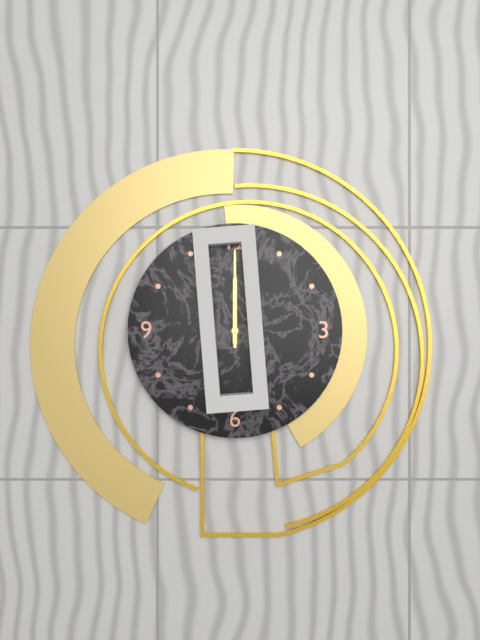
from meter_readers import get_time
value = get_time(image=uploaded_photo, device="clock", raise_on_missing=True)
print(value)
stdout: 12:00
